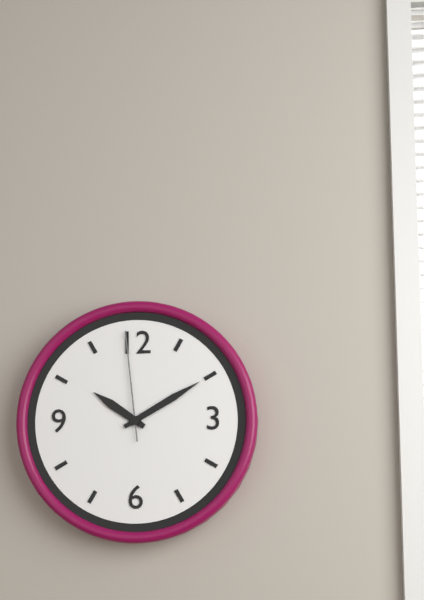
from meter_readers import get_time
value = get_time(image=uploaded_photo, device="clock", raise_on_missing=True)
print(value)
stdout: 10:10:59
